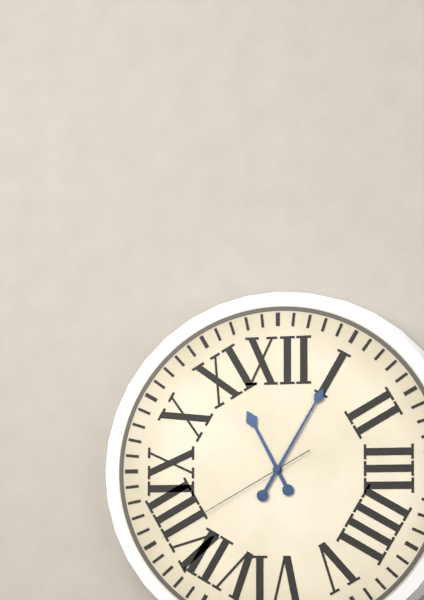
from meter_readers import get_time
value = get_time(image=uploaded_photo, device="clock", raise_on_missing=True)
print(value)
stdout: 11:05:40
